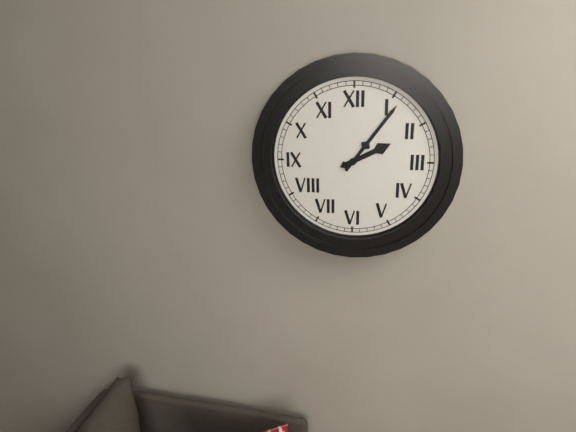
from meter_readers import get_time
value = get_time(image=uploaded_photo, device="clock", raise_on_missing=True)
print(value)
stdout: 2:06
